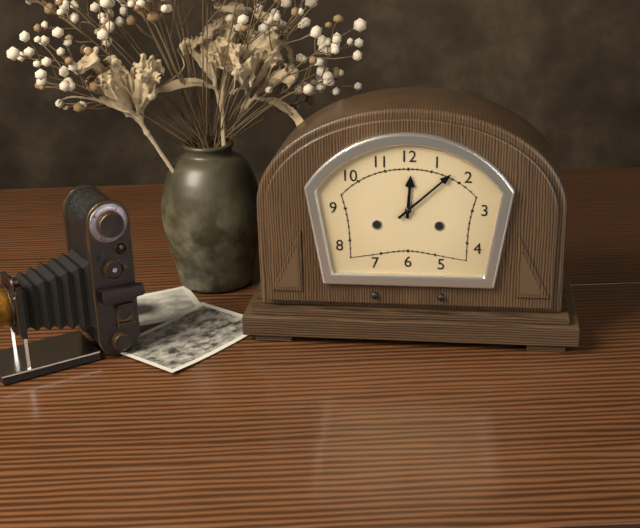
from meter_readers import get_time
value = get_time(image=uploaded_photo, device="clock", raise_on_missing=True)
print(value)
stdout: 12:08
